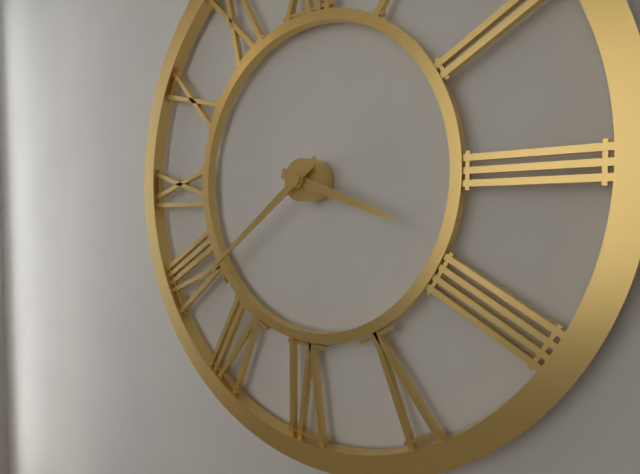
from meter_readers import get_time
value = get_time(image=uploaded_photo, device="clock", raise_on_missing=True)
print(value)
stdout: 3:39
